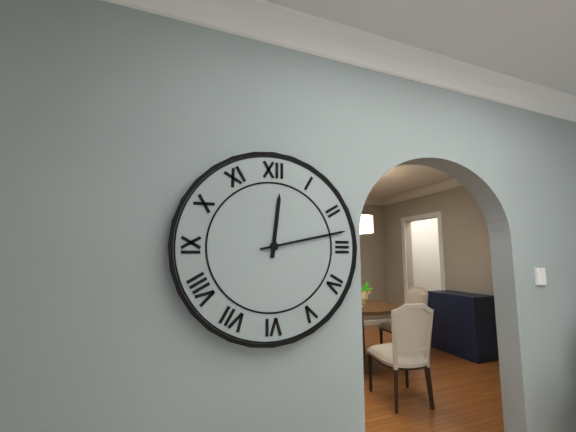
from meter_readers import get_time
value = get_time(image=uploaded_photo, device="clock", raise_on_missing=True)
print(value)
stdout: 12:13
